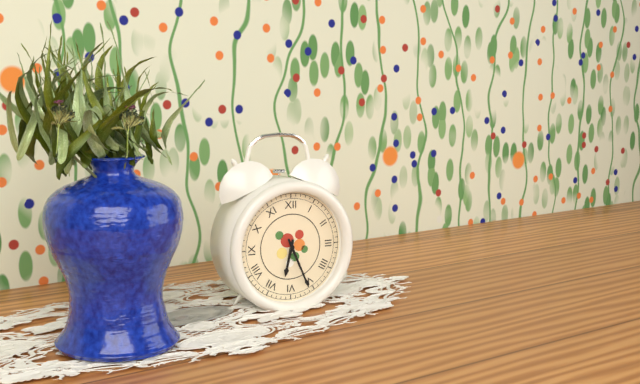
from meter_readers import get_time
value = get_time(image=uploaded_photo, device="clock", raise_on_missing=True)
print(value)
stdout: 6:26
